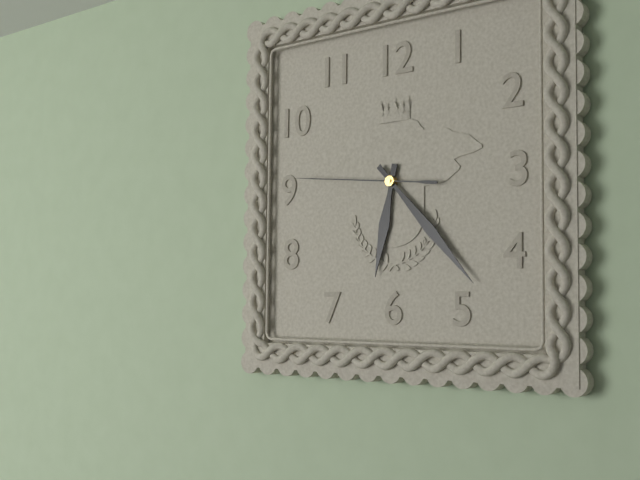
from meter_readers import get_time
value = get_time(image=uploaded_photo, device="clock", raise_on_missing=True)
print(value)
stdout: 6:23:46
